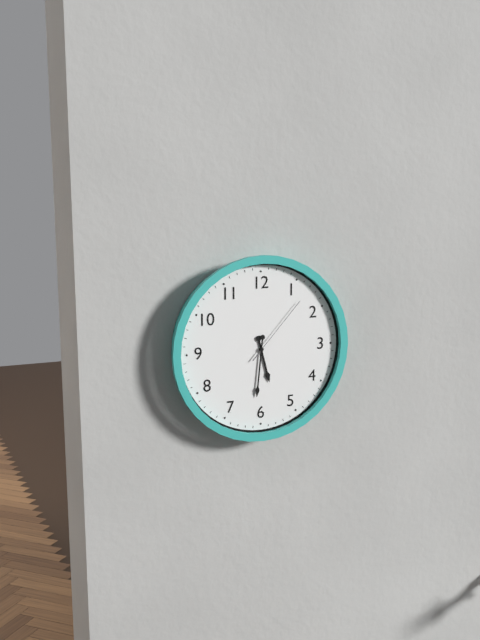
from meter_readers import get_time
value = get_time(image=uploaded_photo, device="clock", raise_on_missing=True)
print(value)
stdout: 5:31:07
